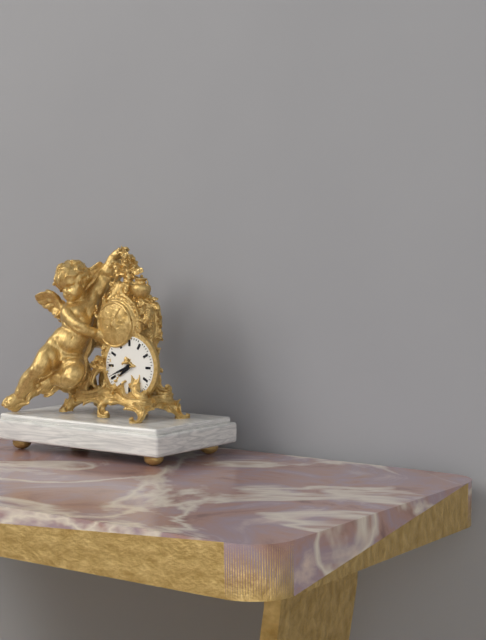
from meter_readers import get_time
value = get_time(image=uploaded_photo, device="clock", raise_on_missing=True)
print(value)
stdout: 7:41
